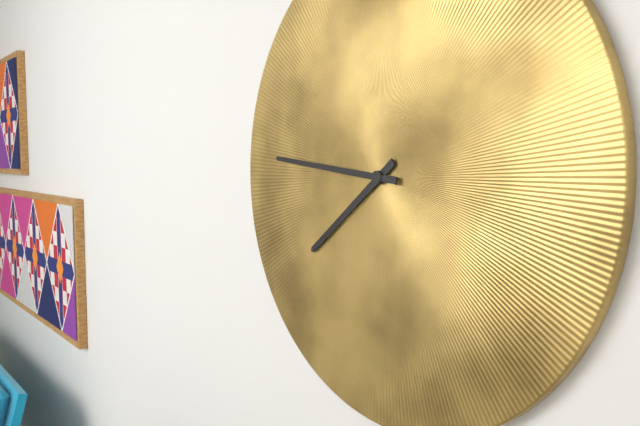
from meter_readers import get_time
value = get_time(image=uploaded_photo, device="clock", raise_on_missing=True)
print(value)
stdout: 7:46
